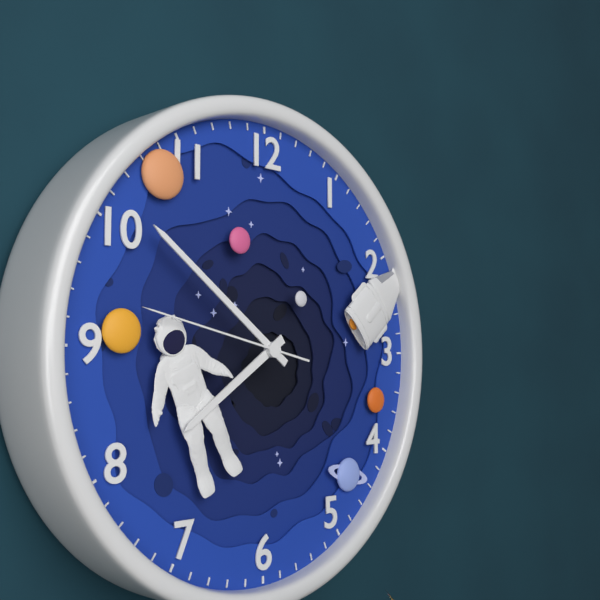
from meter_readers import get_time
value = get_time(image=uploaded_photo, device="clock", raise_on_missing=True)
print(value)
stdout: 7:51:47
